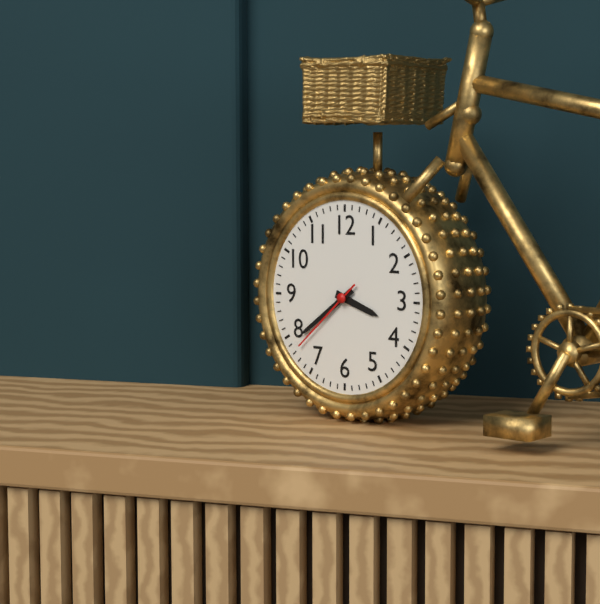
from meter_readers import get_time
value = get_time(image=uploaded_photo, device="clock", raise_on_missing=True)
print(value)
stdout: 3:39:38
